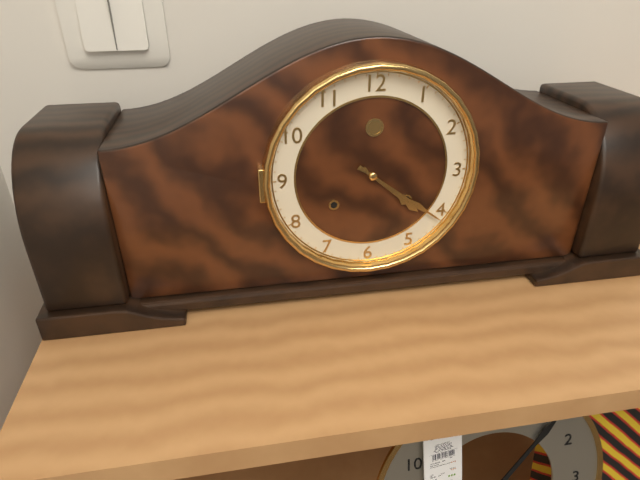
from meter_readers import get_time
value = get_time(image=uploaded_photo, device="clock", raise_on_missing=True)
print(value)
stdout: 4:21
